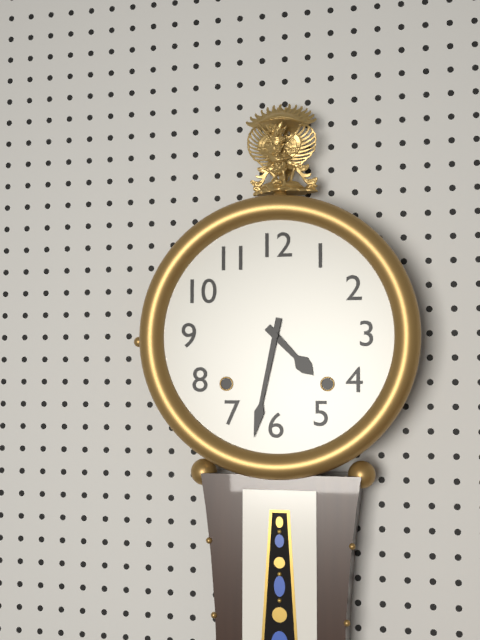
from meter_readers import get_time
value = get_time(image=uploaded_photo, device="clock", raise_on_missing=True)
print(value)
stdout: 4:32
